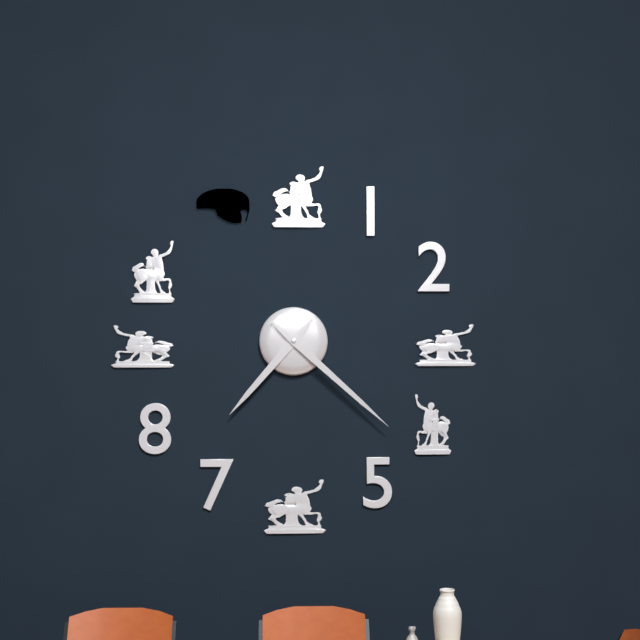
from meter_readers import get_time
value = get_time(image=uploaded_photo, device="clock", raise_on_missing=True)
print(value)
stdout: 7:22
